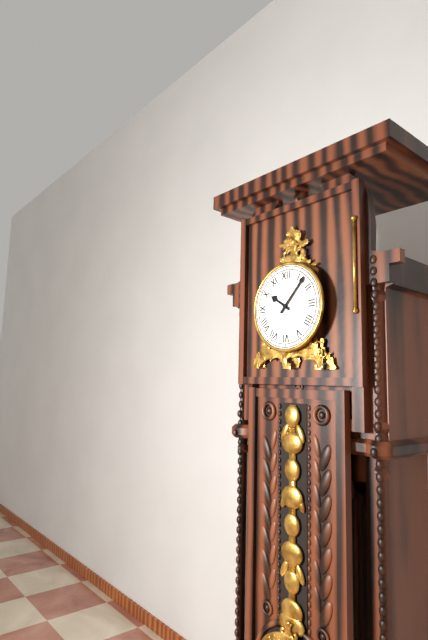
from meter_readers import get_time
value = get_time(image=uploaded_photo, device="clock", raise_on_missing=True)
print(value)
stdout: 10:07
